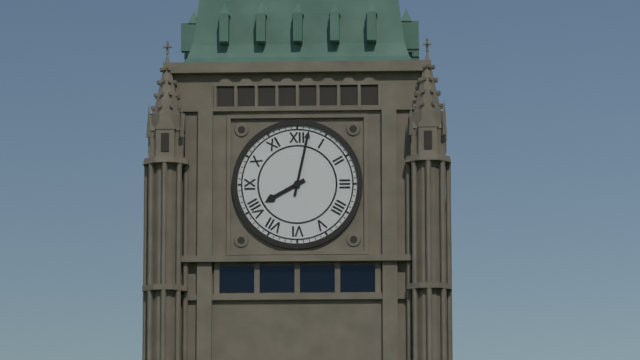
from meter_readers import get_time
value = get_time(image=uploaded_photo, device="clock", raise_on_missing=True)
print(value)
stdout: 8:02
